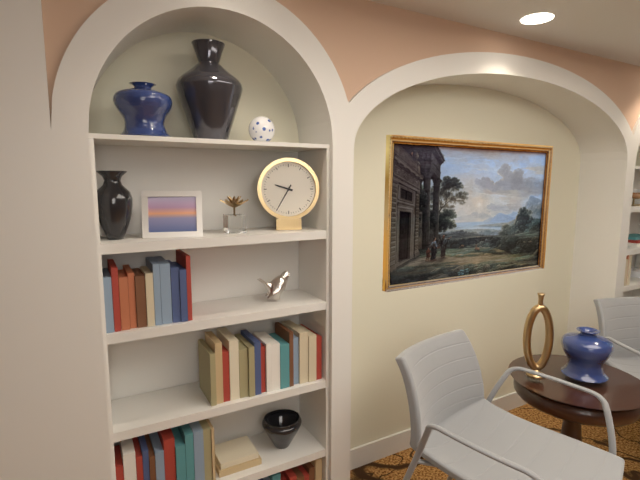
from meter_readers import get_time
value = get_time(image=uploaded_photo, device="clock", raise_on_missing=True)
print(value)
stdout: 9:35
